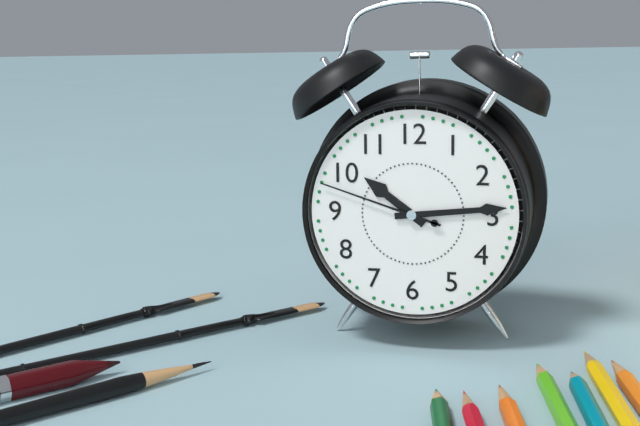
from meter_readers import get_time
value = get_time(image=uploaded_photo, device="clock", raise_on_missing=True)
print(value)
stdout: 10:14:48
